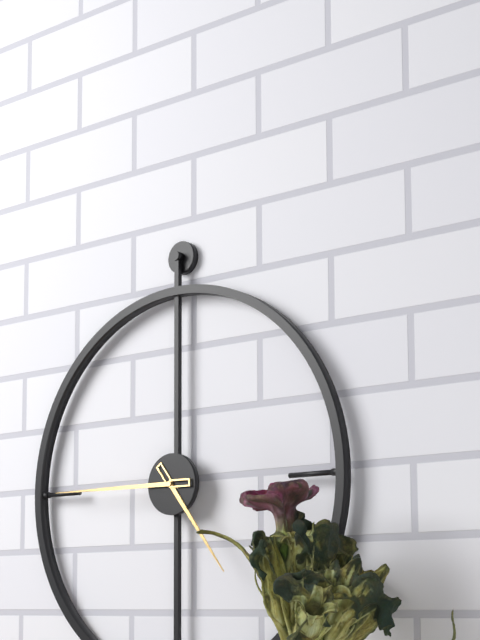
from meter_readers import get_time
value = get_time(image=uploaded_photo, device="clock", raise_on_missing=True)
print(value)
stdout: 4:45
